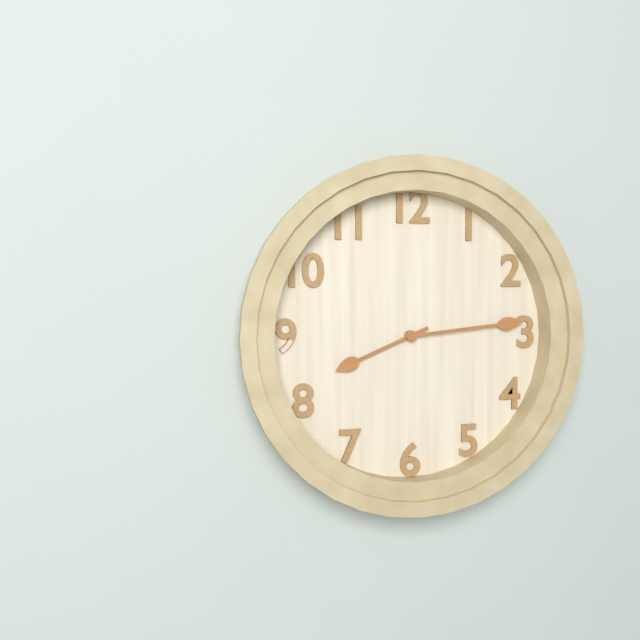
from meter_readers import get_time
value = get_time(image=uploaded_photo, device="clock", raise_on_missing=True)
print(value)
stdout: 8:14
